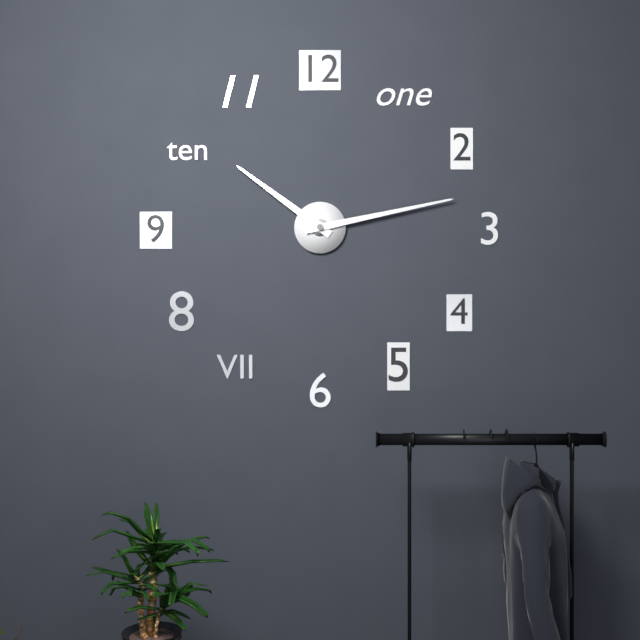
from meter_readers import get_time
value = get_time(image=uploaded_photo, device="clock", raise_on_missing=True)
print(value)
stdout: 10:13
